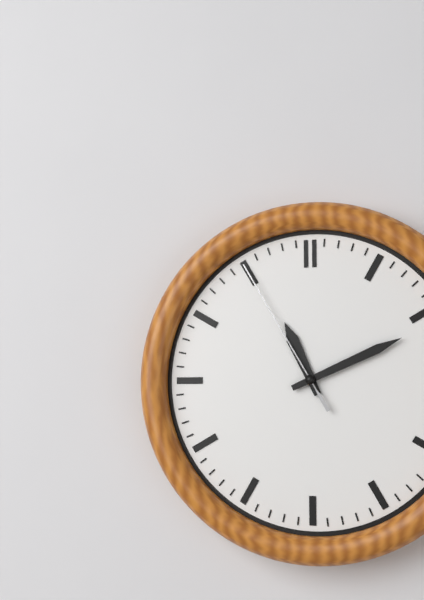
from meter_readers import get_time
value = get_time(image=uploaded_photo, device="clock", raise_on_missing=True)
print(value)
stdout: 11:11:55
